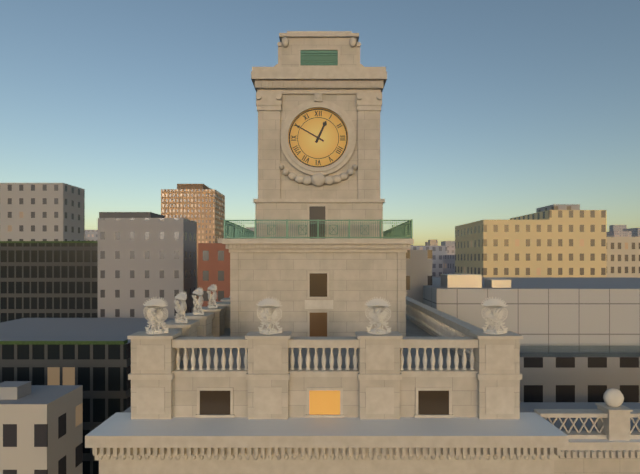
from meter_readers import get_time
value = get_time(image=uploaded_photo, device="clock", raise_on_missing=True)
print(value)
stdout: 12:50
